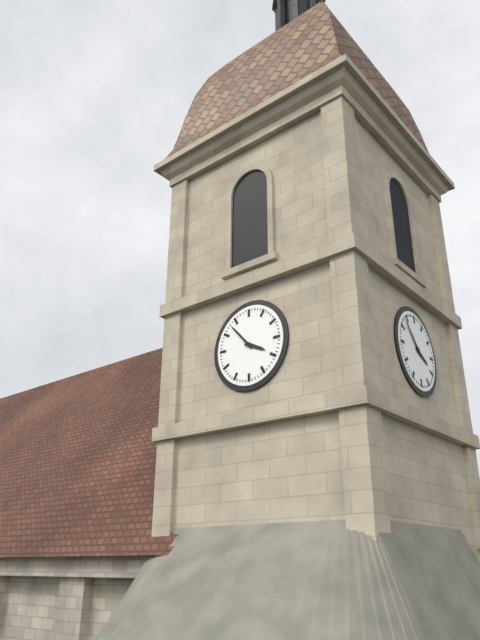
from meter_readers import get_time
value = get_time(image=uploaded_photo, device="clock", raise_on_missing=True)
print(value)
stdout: 3:53
